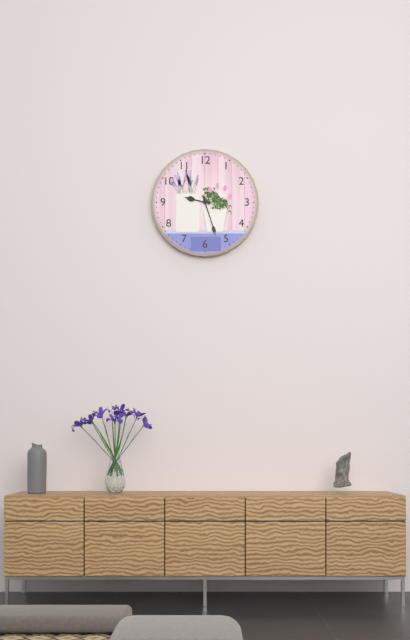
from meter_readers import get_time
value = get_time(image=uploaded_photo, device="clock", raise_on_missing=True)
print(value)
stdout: 9:27
